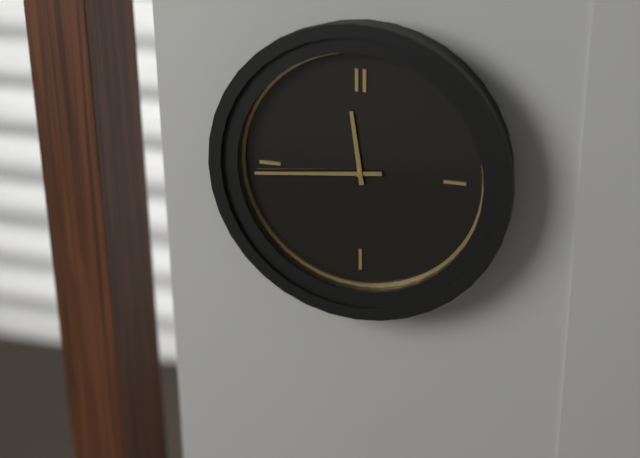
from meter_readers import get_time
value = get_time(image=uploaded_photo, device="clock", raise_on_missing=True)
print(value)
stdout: 11:44
